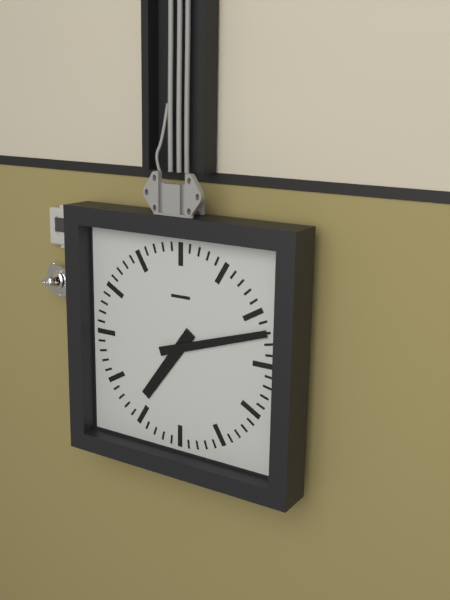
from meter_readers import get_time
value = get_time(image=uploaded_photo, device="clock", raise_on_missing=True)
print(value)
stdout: 7:12
